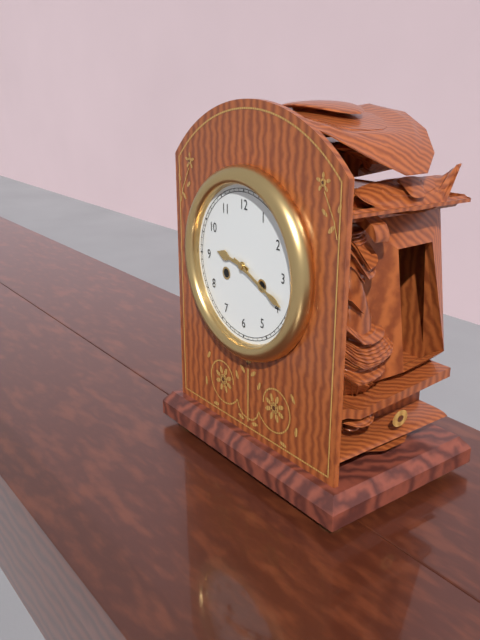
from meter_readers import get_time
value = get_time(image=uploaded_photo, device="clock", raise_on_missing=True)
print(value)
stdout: 9:19
